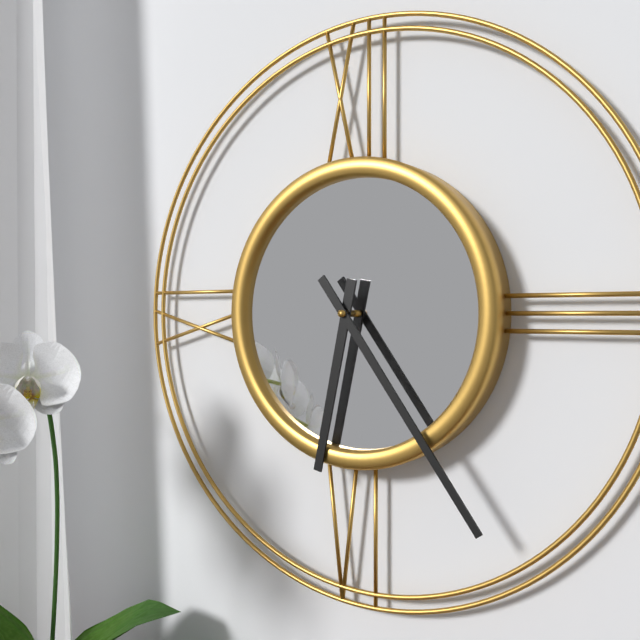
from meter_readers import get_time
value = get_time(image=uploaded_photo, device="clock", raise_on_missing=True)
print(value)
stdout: 6:24
